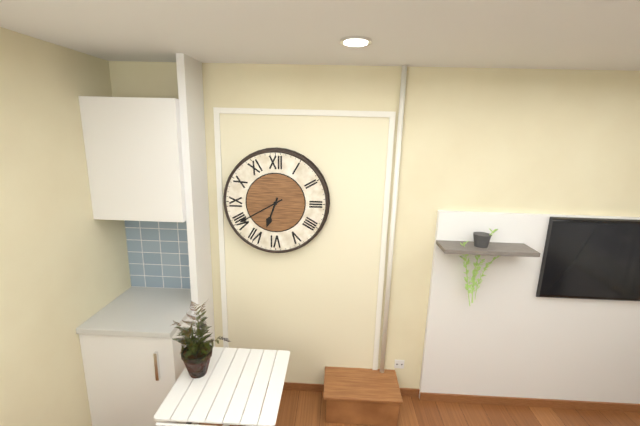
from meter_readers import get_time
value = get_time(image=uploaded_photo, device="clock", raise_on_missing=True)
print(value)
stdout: 6:40
